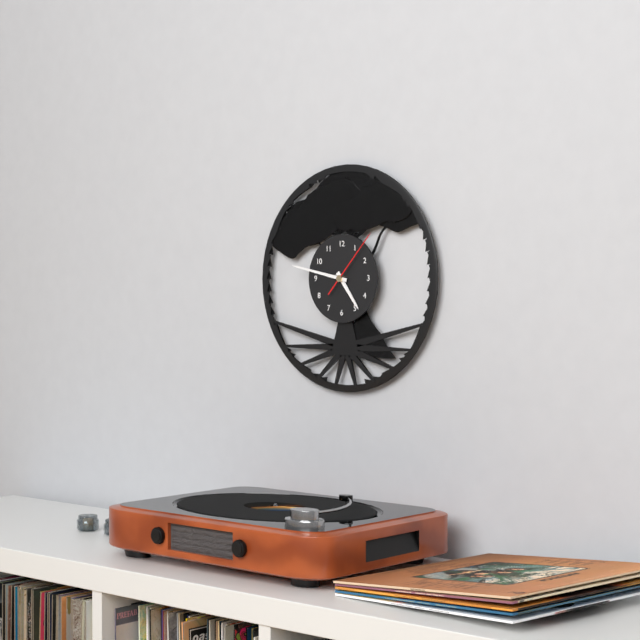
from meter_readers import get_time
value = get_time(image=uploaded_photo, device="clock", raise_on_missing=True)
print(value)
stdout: 4:47:07
